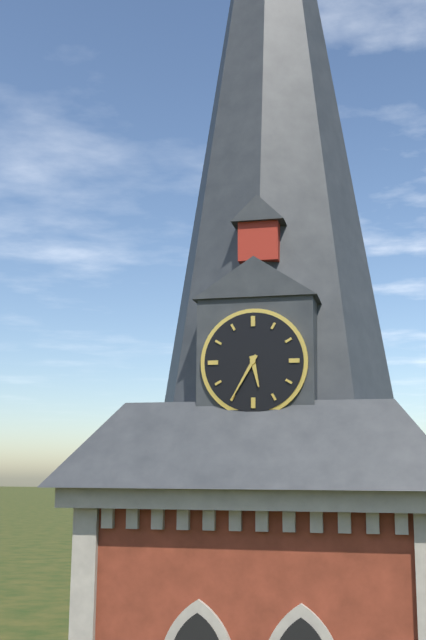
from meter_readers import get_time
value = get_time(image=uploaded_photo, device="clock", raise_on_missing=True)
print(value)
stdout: 5:35
